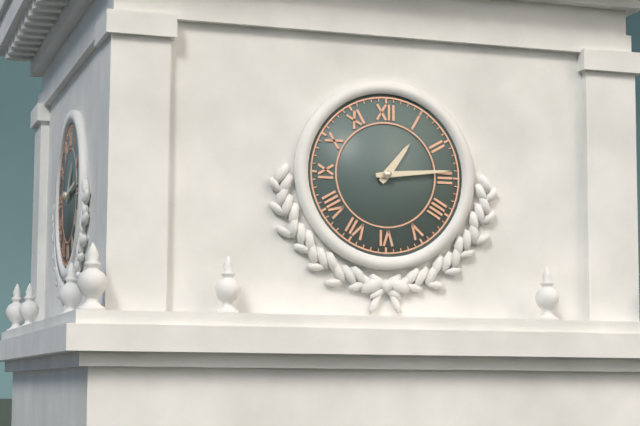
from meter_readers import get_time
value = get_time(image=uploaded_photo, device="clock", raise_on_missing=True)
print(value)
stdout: 1:14
